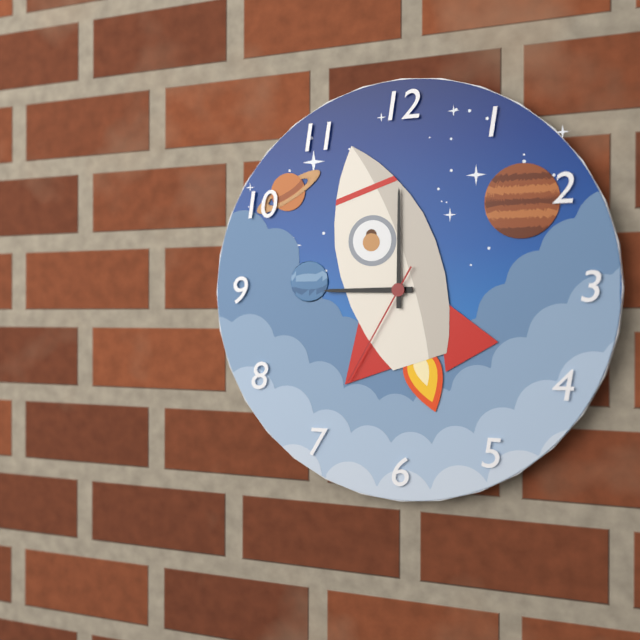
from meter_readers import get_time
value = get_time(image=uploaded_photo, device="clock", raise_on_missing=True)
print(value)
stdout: 9:00:35
